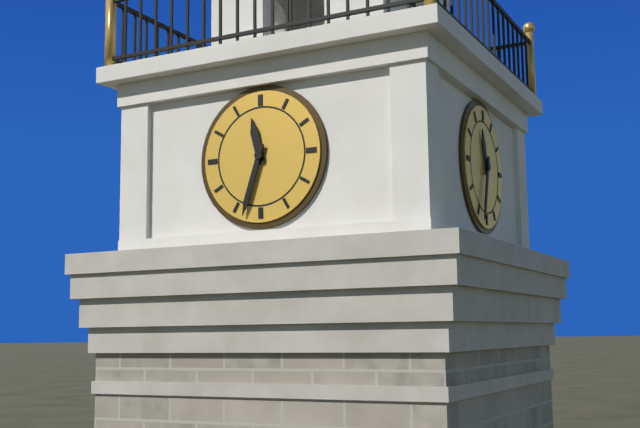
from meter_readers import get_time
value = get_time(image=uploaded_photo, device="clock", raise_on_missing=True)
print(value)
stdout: 11:33
